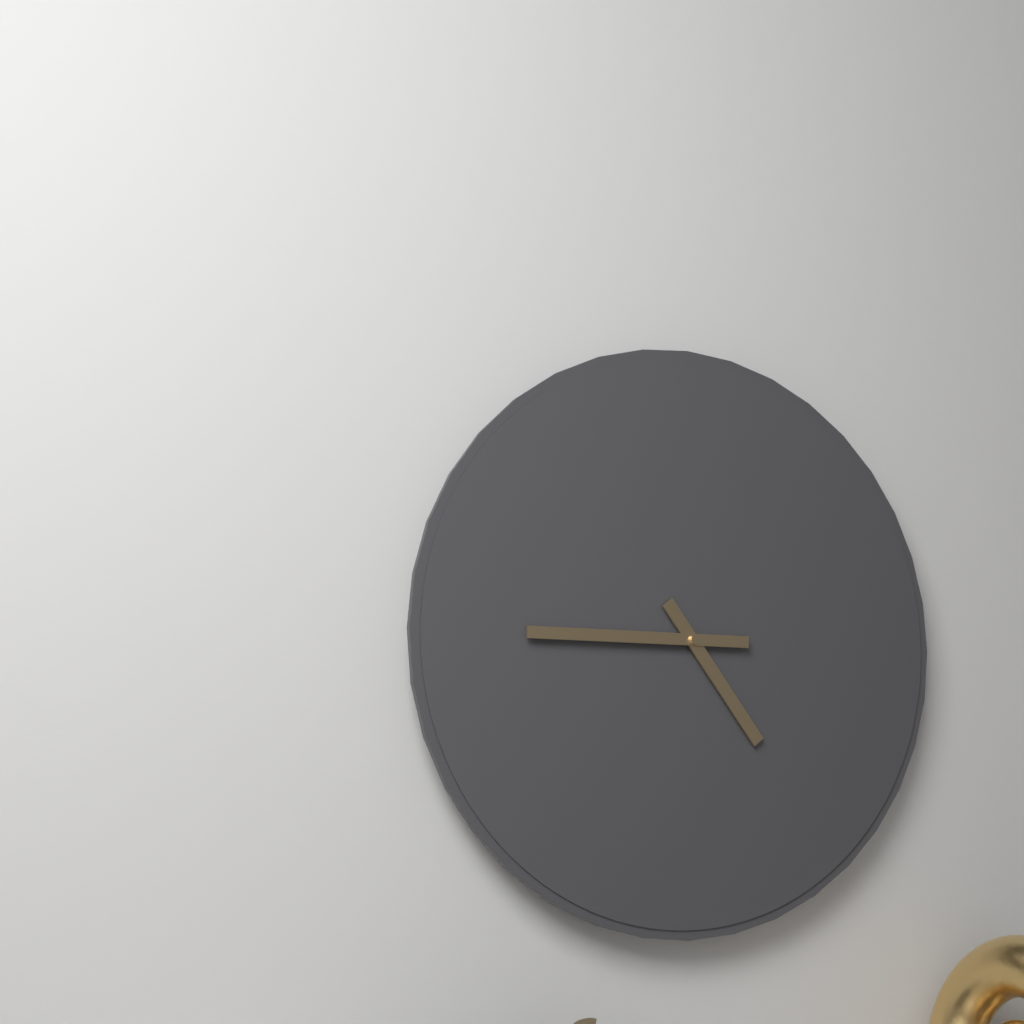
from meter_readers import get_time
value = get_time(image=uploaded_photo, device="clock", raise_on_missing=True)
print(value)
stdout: 4:45
